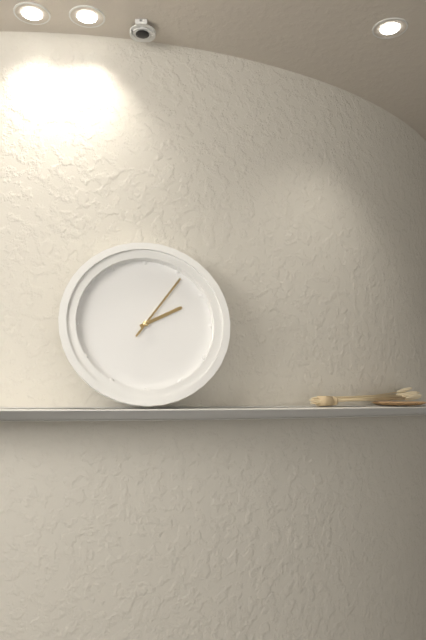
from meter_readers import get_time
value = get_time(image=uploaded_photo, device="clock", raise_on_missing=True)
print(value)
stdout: 2:06
